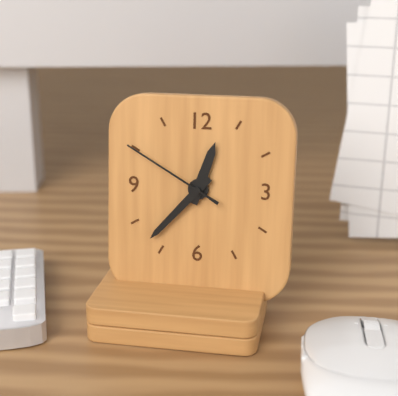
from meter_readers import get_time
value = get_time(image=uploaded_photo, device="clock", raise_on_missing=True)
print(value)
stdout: 12:37:50
